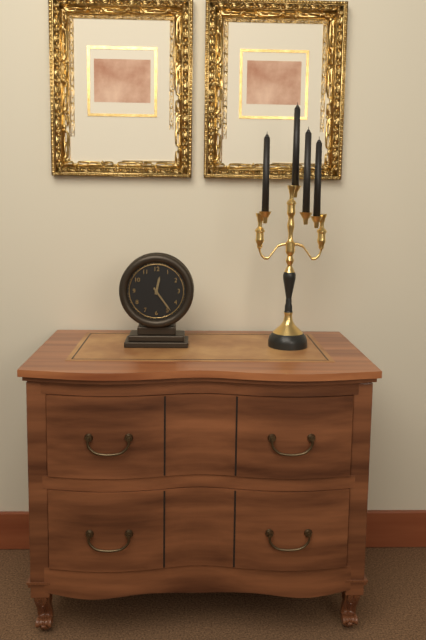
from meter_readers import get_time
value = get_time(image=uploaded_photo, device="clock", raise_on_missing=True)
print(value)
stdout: 12:24
